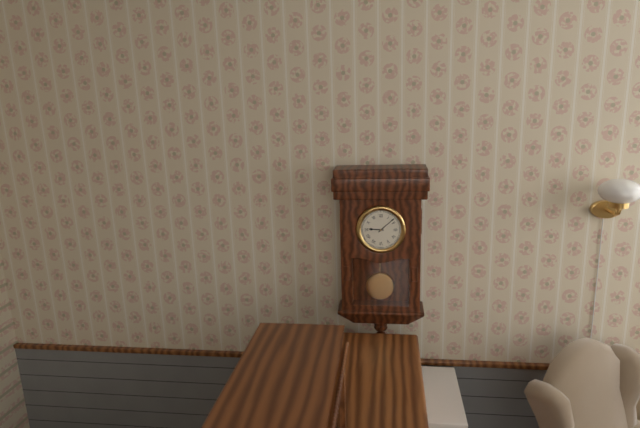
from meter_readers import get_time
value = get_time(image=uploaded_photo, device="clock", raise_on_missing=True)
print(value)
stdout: 9:08
